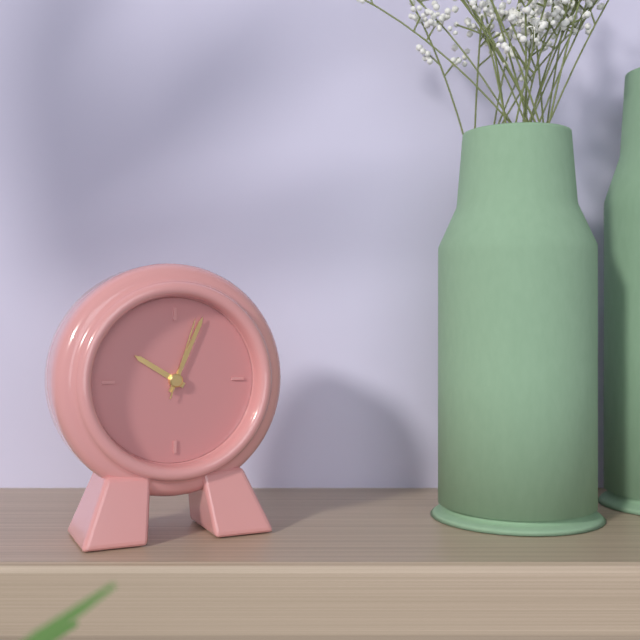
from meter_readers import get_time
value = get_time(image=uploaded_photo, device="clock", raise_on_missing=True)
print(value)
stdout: 10:04:03
